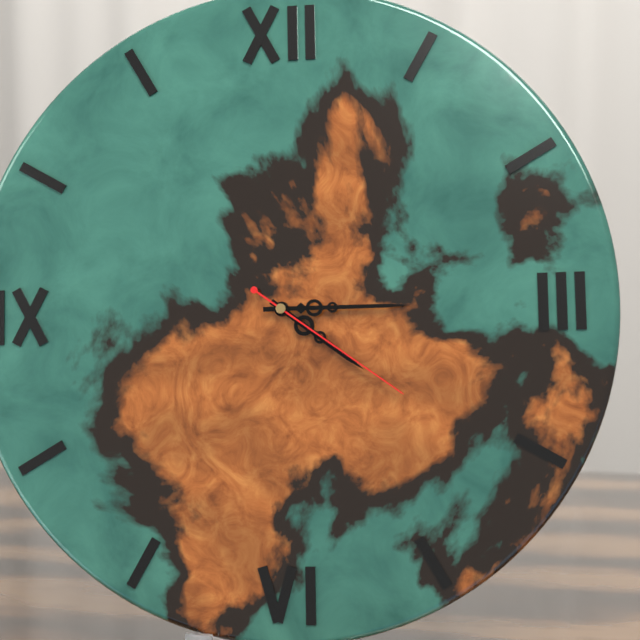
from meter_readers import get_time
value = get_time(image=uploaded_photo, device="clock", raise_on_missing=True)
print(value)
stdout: 4:15:21
